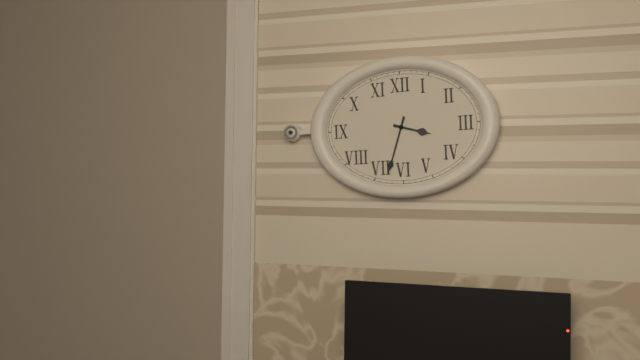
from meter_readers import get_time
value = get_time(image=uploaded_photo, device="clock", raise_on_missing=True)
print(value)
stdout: 3:33
